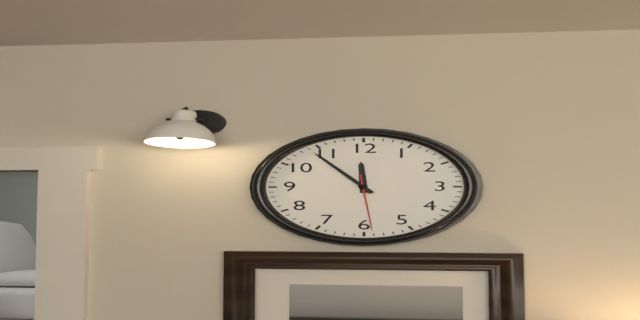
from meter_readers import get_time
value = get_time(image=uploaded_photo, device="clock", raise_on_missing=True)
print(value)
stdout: 11:54:29
